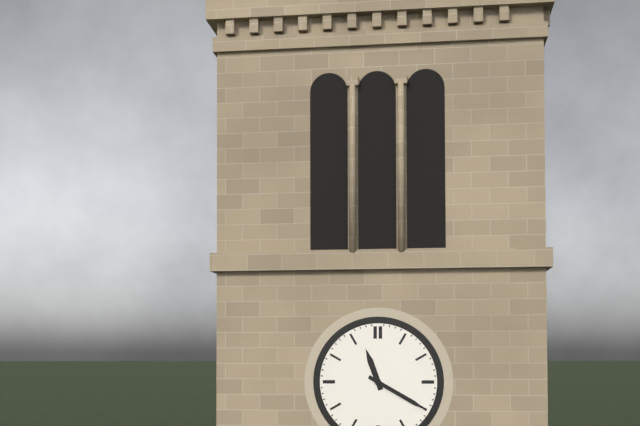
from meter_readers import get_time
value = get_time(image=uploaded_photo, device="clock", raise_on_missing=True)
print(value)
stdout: 11:20
